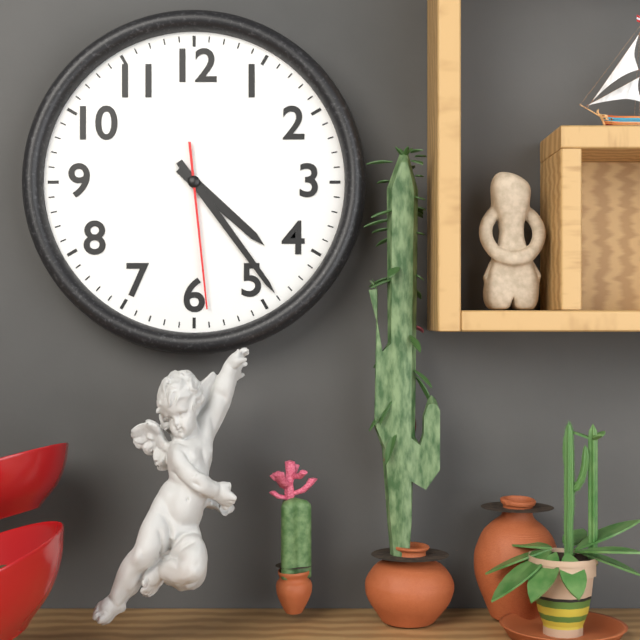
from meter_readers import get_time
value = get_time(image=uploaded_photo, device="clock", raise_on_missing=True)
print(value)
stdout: 4:24:29
